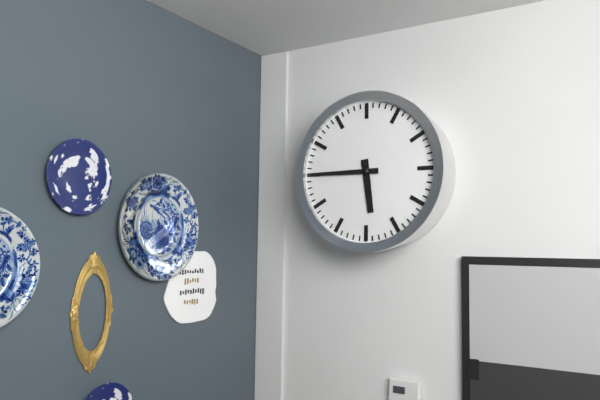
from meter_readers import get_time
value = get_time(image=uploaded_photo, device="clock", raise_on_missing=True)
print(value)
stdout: 5:45
